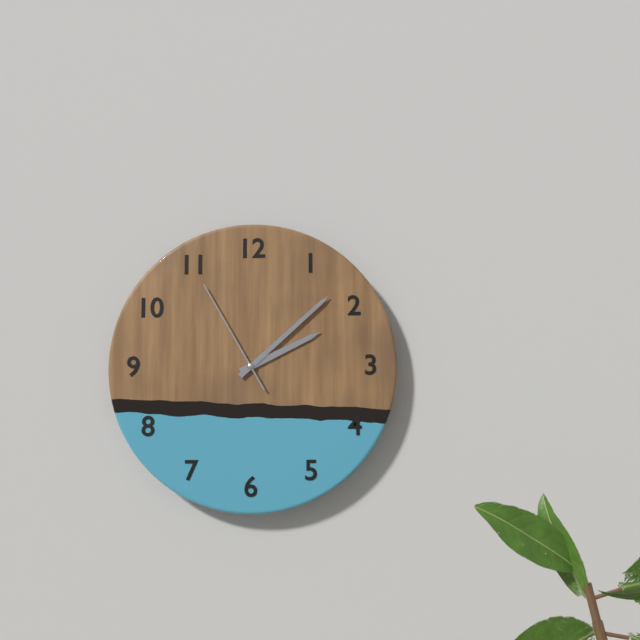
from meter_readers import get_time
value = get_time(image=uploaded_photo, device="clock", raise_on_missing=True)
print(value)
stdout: 2:08:55
